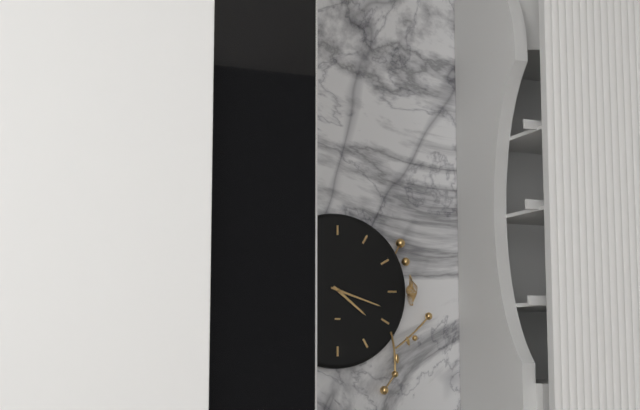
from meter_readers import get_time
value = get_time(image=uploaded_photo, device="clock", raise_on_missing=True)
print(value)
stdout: 4:18
